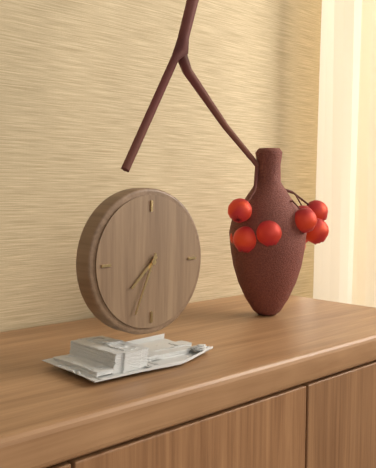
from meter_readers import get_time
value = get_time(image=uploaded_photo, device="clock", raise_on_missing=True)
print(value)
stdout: 7:34
